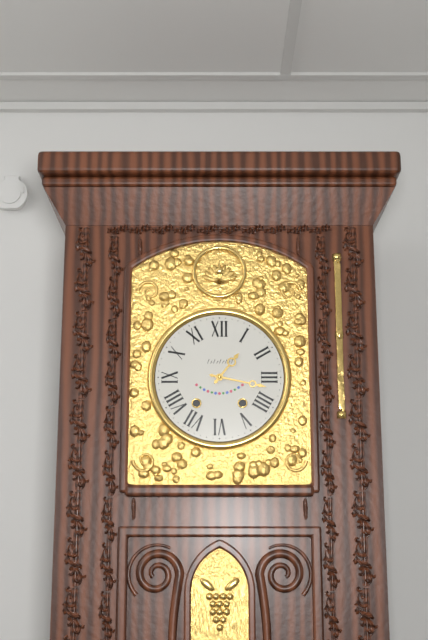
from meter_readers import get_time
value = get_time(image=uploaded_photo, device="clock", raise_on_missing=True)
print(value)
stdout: 1:17
